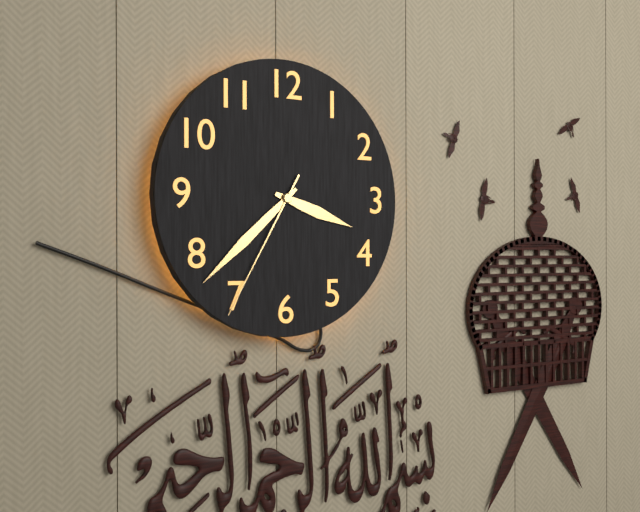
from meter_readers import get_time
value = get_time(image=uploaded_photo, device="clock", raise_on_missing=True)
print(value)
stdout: 3:38:35
